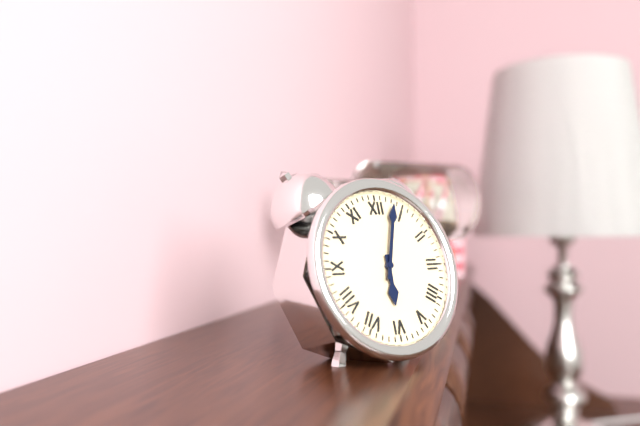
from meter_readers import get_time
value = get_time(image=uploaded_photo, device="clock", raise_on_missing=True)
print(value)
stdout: 6:03
